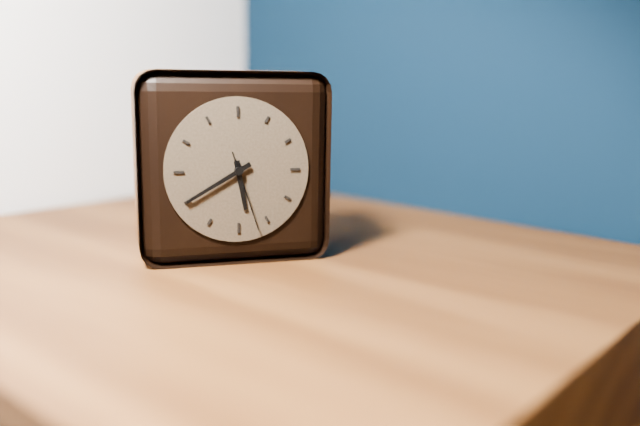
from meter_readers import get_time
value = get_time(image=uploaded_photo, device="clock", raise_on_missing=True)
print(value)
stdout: 5:40:27
